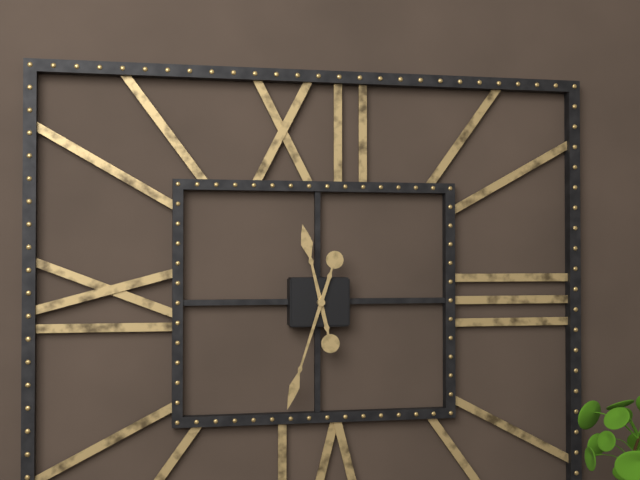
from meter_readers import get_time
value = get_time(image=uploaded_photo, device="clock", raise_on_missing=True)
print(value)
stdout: 11:33
